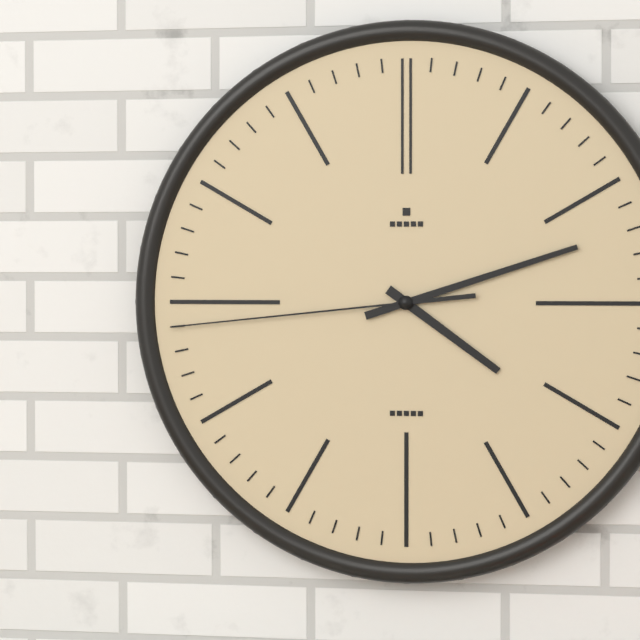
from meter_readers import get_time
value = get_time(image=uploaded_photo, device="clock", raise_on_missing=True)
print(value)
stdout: 4:12:44
